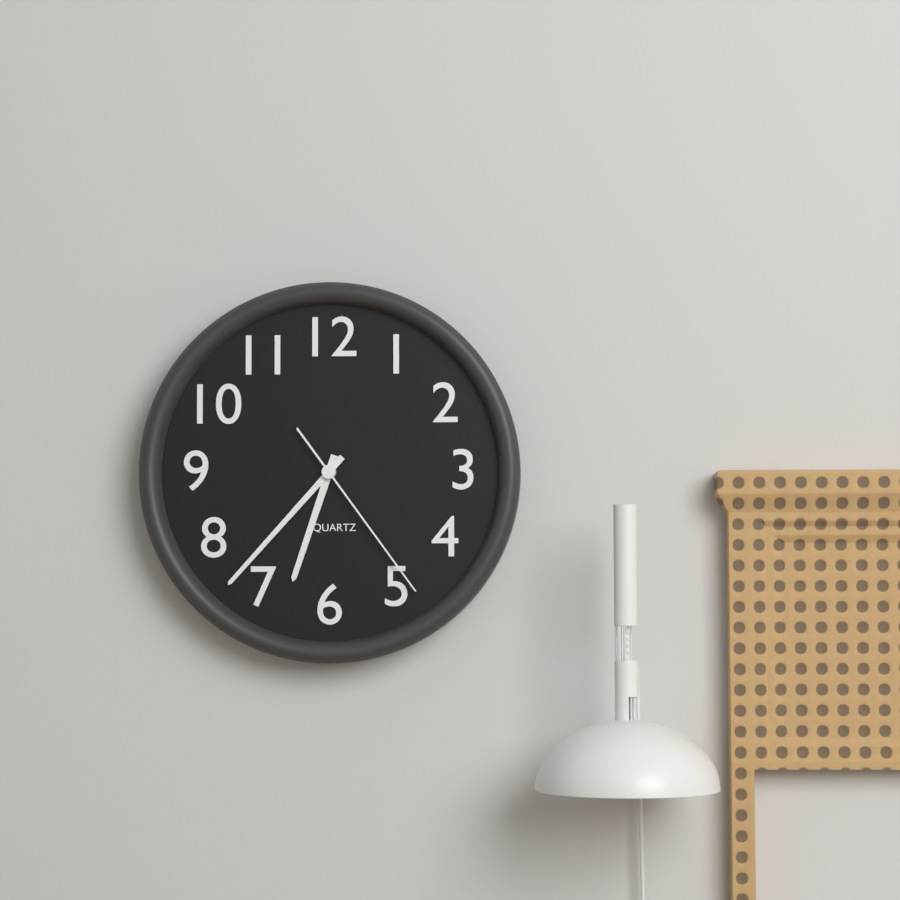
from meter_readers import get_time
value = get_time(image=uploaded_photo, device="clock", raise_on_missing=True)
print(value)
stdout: 6:37:24
